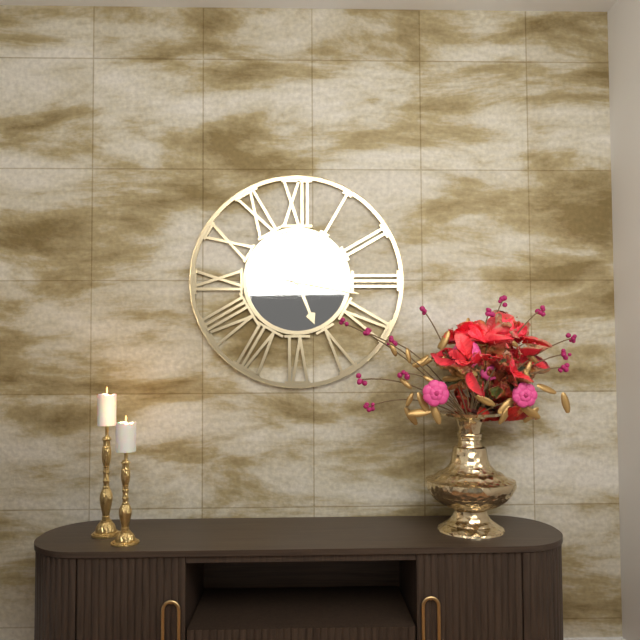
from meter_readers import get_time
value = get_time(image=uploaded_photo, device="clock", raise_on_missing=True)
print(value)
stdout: 5:17
